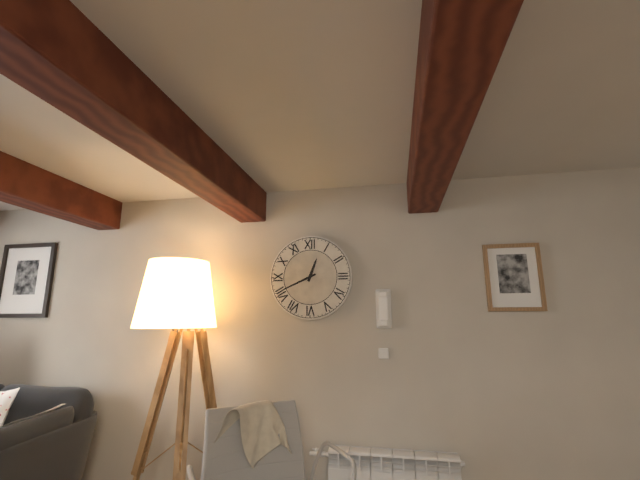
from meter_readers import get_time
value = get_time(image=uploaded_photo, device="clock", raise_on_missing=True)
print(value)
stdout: 12:41
